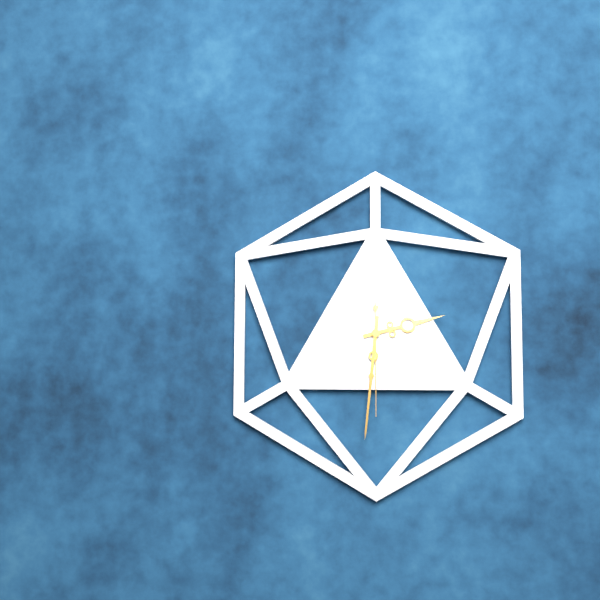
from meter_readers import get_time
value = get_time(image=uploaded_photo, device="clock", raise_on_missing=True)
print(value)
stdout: 2:31:30
